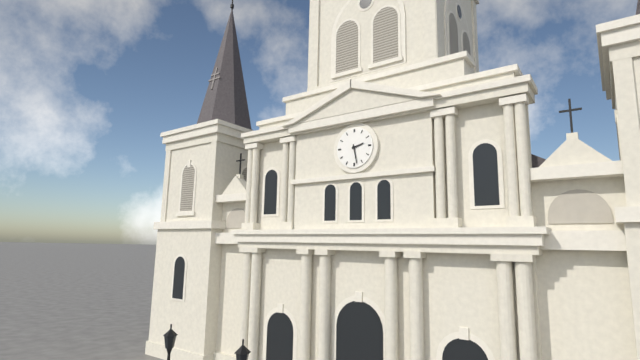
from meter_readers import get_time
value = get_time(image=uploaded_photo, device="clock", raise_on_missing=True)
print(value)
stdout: 2:28
